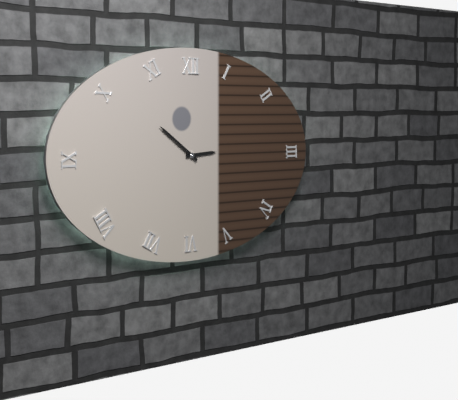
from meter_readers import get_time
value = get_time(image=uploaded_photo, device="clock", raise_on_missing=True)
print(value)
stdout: 2:51
